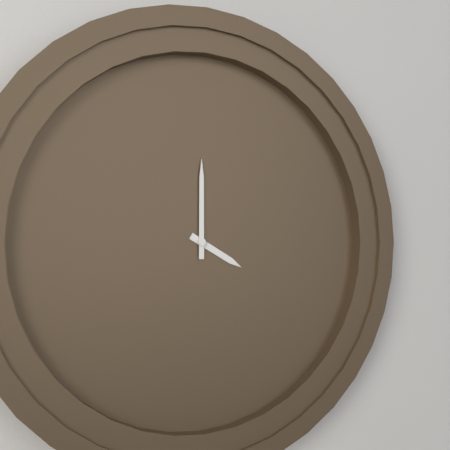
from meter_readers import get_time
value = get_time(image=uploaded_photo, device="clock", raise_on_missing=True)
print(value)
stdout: 4:00
